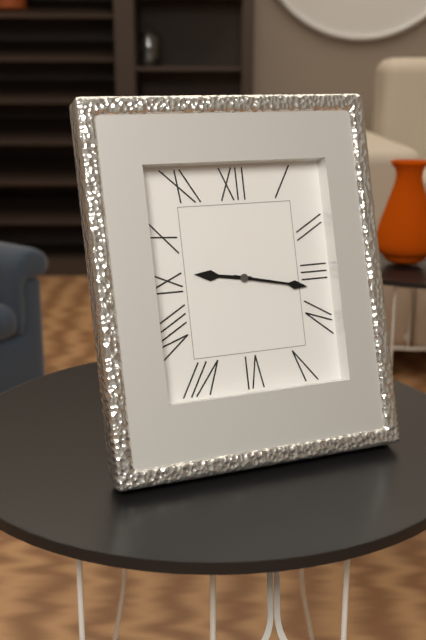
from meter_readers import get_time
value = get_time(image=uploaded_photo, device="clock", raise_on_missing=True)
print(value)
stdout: 9:17
